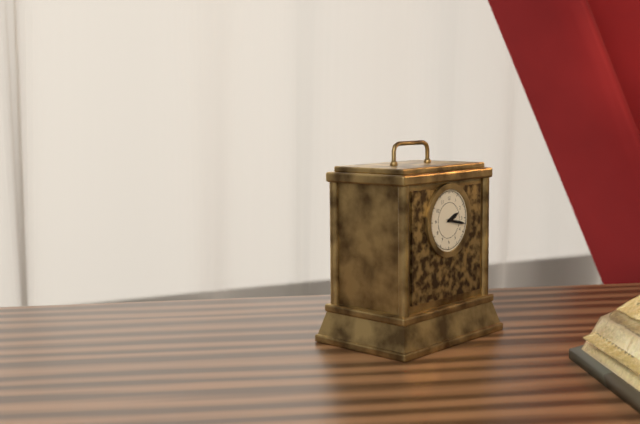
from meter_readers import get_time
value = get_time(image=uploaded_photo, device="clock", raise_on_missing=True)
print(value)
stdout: 2:17
